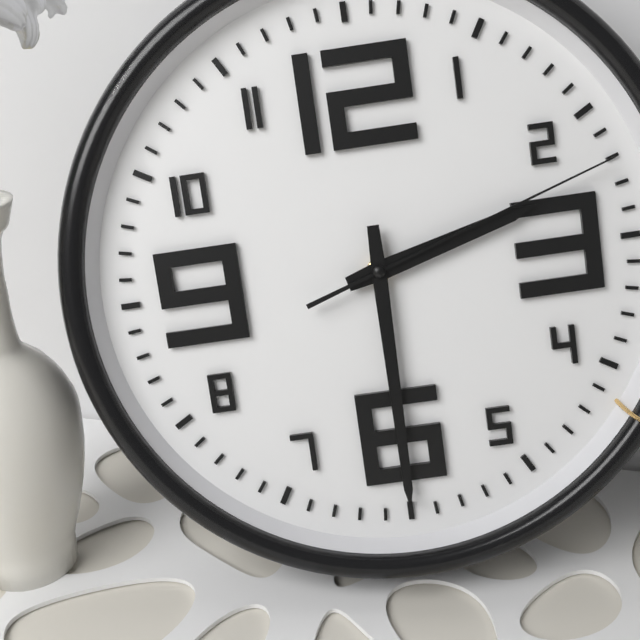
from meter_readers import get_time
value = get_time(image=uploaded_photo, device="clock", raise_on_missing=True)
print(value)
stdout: 2:30:12
